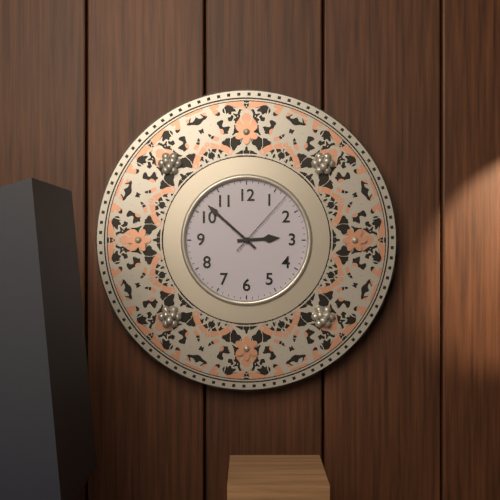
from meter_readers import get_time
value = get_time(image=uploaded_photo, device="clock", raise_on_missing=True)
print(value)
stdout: 2:52:07
